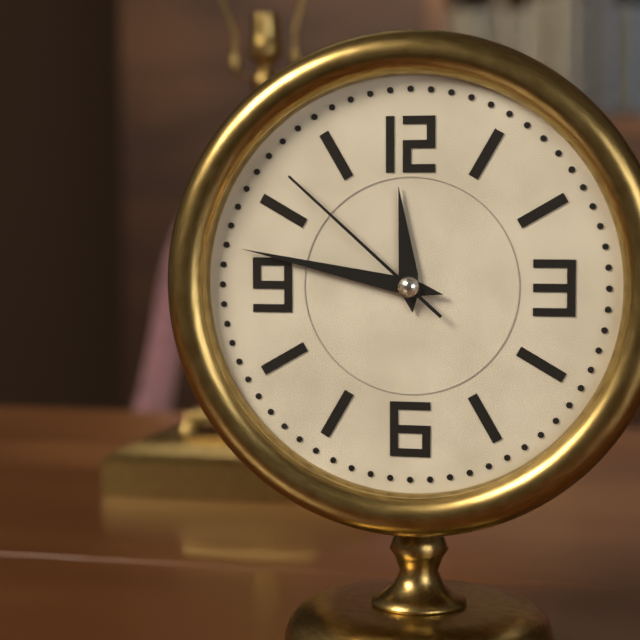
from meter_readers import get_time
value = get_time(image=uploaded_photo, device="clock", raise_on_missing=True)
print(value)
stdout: 11:47:52
